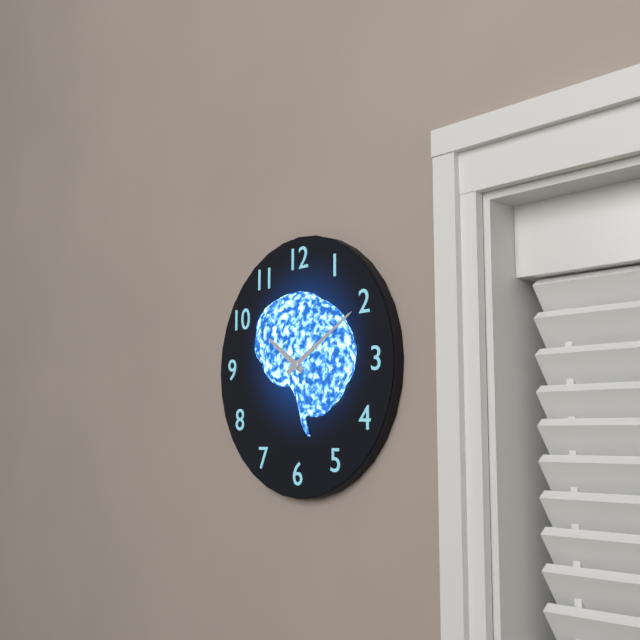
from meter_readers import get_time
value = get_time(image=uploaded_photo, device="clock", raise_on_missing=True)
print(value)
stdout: 10:10
